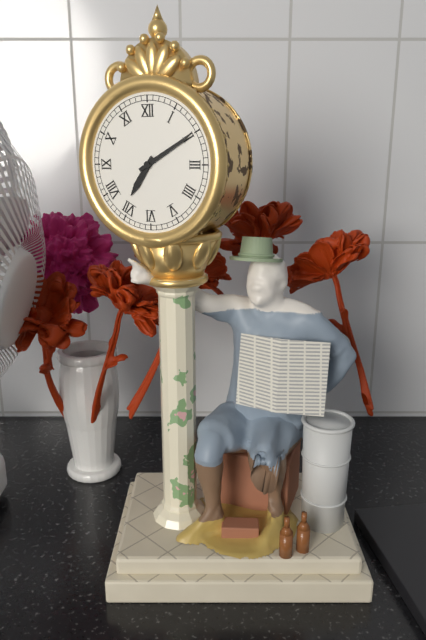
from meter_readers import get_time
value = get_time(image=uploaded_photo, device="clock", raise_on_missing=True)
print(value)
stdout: 7:10
